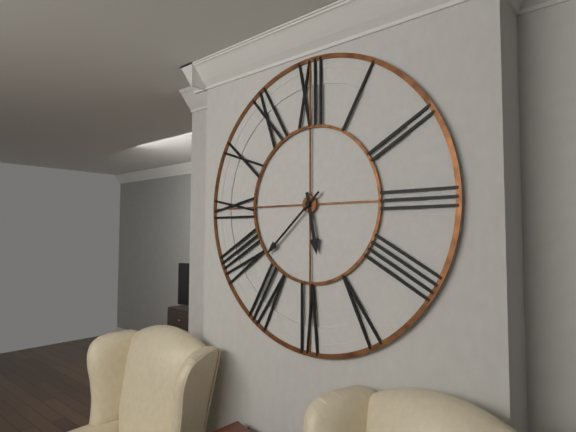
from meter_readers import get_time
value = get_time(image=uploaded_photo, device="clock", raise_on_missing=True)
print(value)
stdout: 5:38
